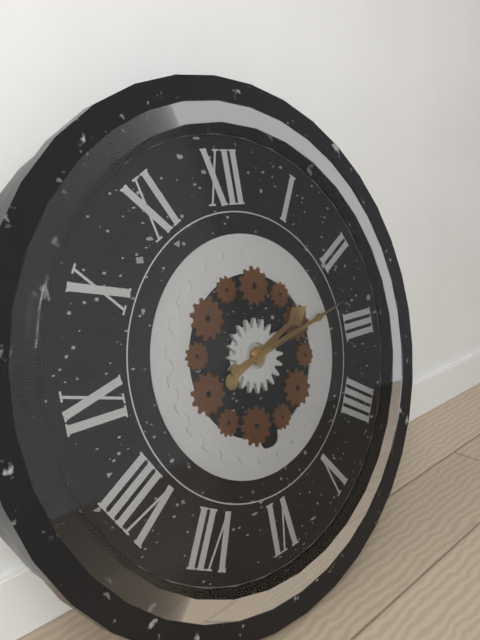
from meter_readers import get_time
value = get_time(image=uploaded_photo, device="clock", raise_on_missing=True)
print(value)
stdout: 2:13
